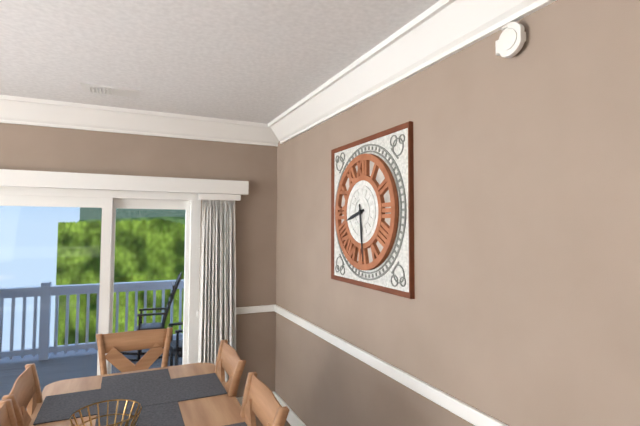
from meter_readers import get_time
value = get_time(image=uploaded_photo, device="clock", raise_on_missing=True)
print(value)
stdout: 8:29
